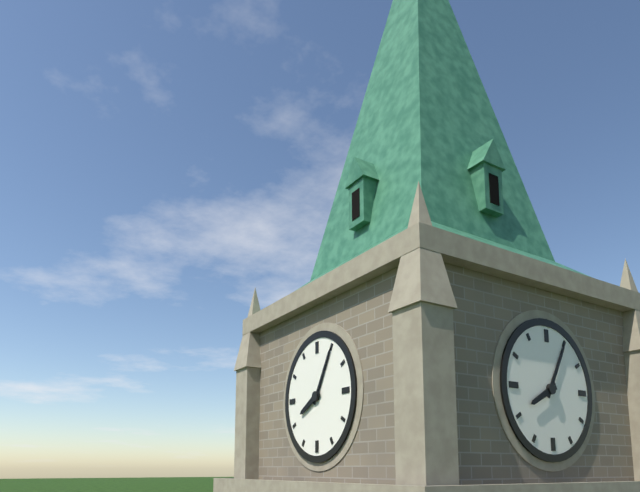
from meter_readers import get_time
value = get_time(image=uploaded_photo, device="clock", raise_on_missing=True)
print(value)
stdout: 8:05
